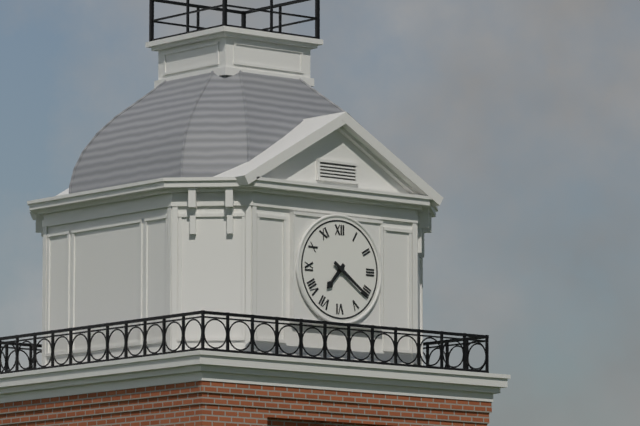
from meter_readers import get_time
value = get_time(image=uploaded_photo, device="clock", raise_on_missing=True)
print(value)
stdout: 7:21
